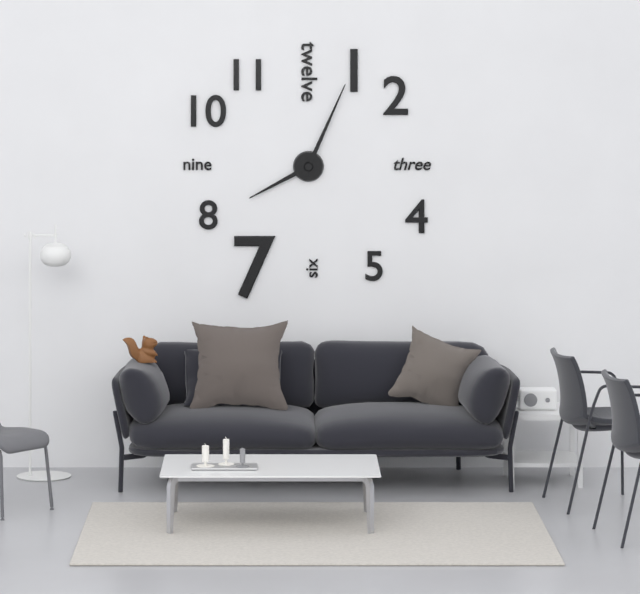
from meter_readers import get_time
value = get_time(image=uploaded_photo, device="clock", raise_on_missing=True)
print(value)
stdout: 8:04
